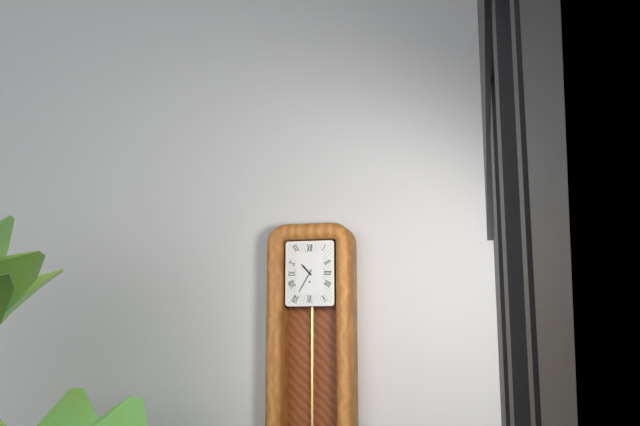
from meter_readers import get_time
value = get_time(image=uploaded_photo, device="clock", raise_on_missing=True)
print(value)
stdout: 10:35
